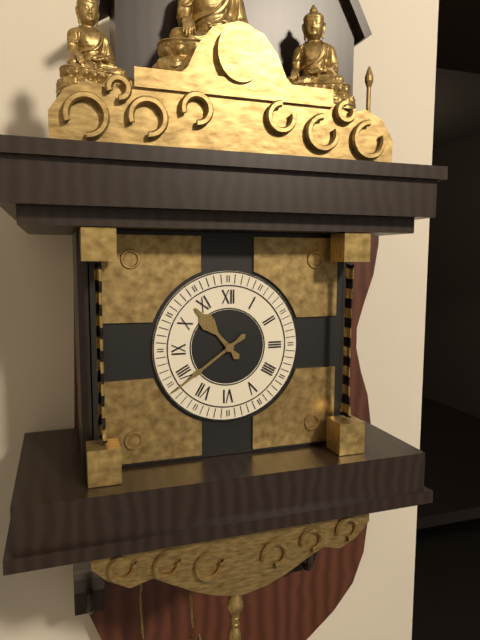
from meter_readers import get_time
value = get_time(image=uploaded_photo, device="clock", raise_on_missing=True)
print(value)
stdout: 10:39
